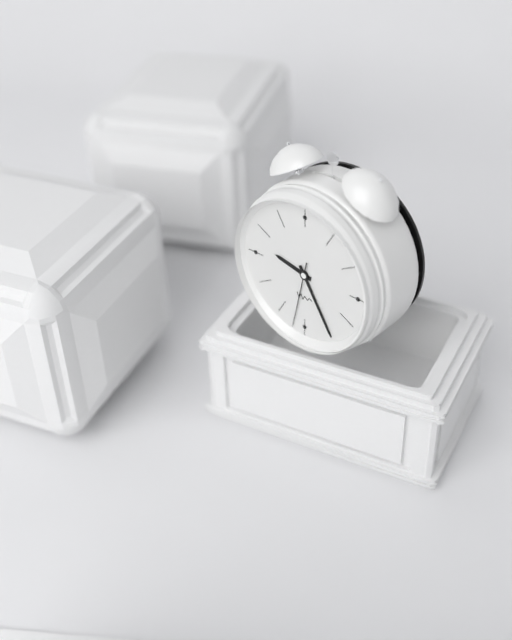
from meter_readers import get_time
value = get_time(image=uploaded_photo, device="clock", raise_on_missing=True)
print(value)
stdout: 9:25:32
